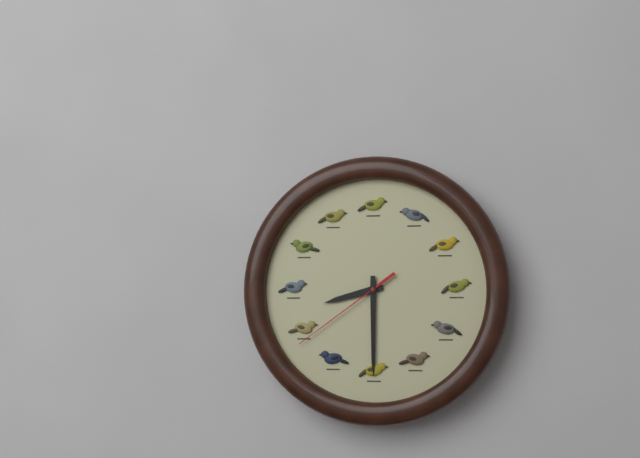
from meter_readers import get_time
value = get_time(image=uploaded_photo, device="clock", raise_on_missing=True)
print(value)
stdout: 8:30:39
